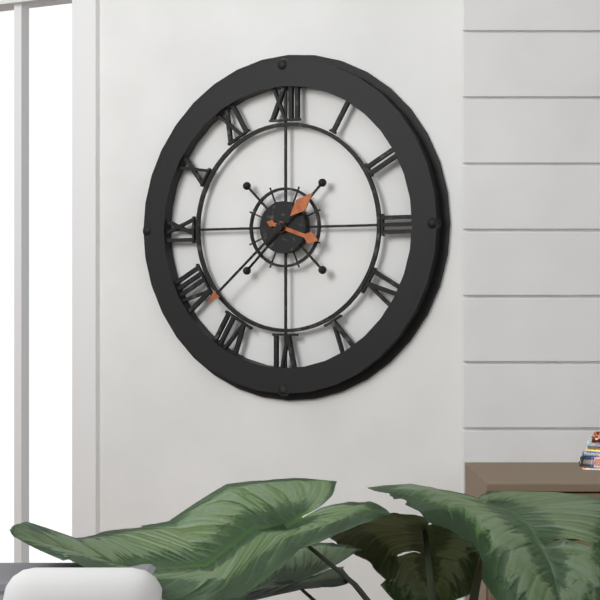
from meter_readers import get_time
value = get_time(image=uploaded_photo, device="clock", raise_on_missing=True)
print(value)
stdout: 3:38
